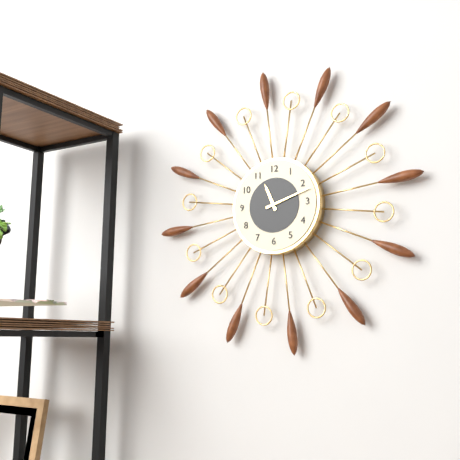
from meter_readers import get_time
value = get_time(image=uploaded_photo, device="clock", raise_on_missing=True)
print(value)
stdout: 11:12
